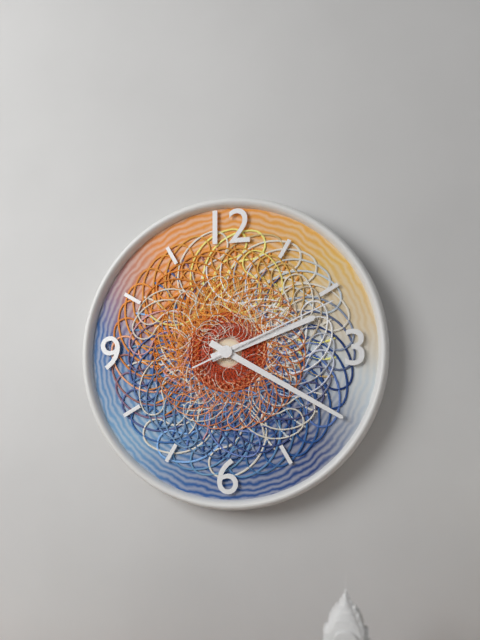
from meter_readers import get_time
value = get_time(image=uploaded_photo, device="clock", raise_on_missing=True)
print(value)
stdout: 2:20:11
